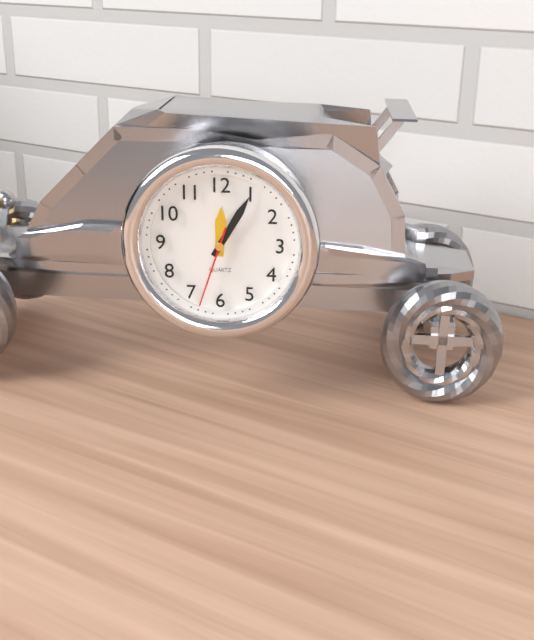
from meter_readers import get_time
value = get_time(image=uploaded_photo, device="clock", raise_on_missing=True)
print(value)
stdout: 12:05:33
